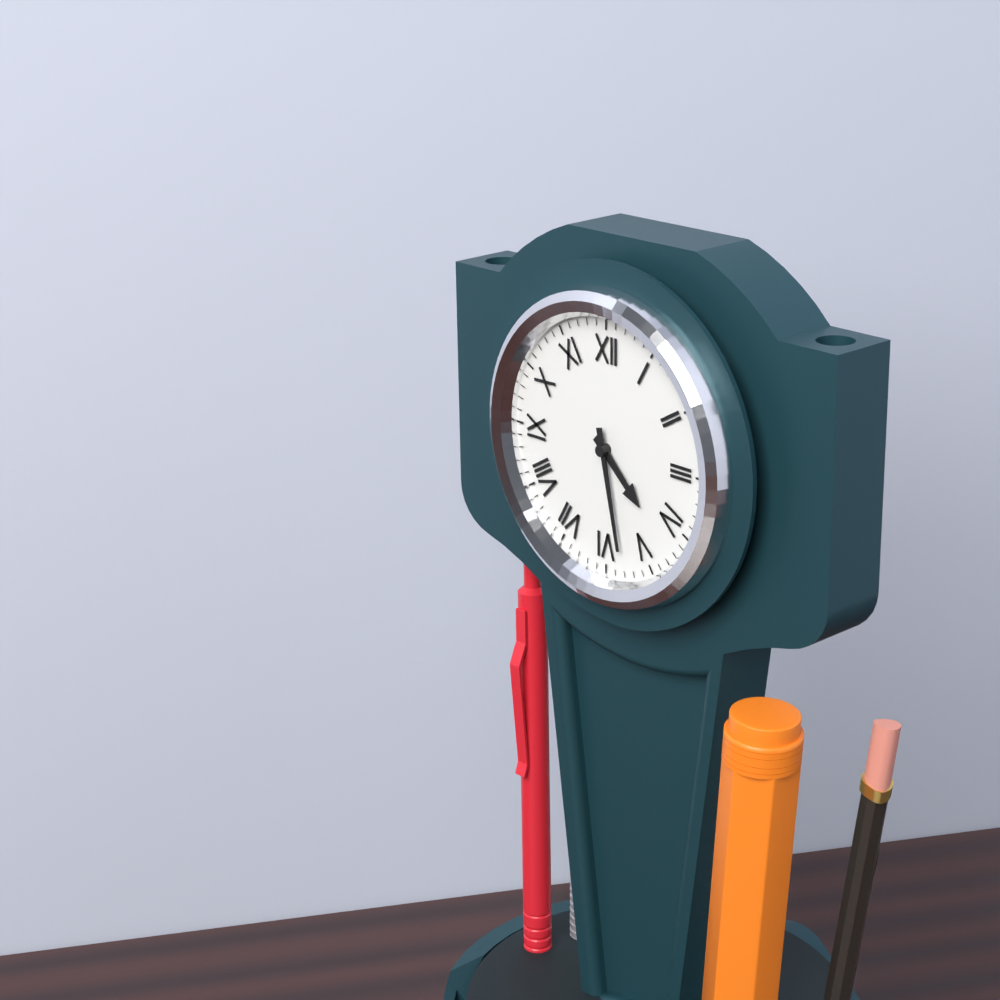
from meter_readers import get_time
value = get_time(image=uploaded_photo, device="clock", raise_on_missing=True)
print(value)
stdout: 4:28
